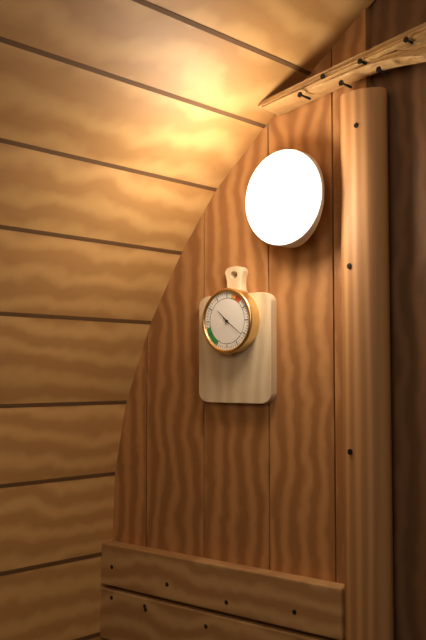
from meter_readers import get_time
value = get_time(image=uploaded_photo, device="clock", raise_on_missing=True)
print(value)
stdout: 10:21
